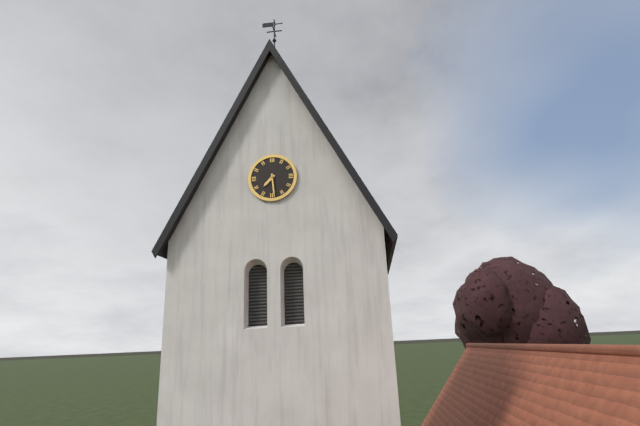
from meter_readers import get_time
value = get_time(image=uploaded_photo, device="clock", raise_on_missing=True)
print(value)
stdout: 7:29
